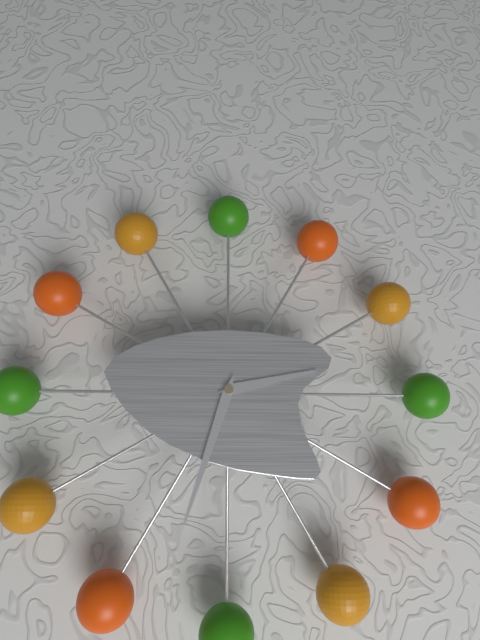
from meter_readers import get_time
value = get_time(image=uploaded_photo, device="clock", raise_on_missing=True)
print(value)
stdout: 2:33
